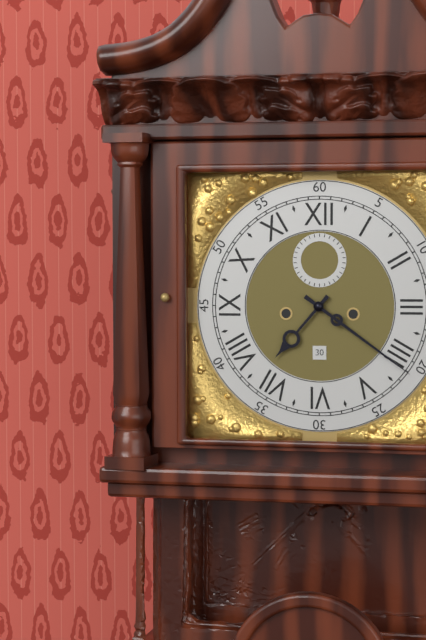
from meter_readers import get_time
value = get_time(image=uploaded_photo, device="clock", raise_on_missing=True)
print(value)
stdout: 7:21
